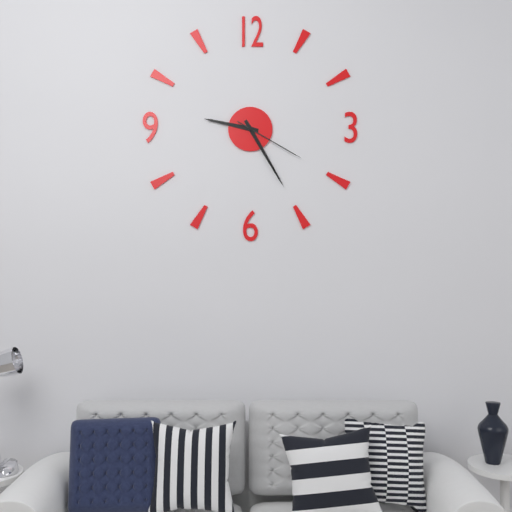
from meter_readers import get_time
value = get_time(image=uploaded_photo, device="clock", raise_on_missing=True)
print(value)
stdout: 9:25:20
